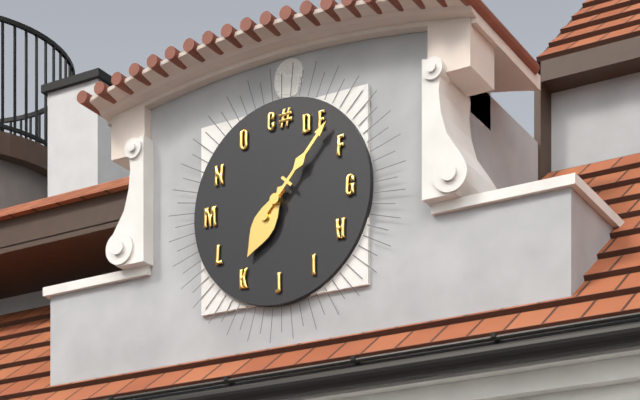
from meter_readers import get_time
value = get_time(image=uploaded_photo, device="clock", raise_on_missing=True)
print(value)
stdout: 7:07
